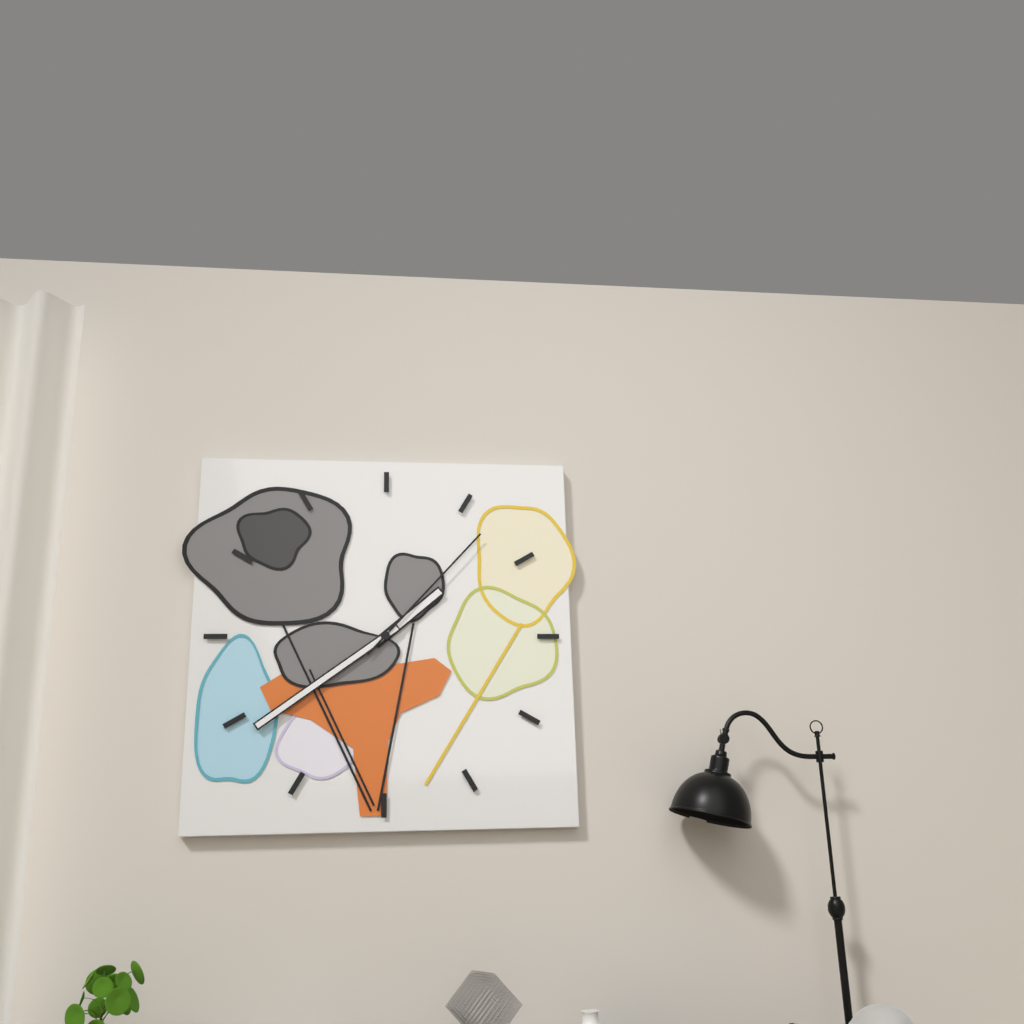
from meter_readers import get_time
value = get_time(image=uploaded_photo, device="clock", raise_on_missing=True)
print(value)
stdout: 1:39:07
